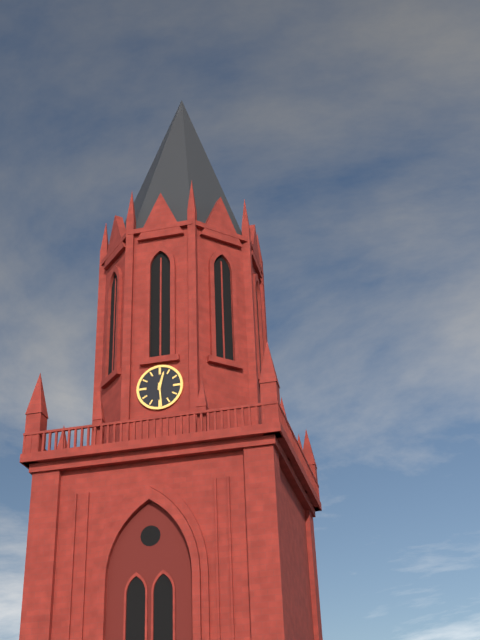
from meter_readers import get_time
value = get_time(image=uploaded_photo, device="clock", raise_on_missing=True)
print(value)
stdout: 12:29
